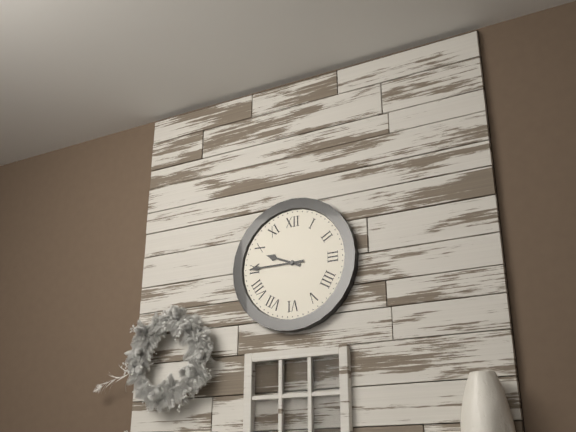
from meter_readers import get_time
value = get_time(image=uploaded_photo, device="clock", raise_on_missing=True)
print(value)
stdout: 9:45
